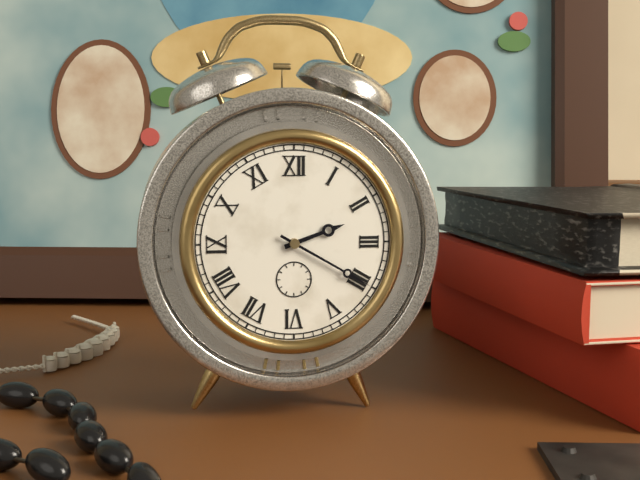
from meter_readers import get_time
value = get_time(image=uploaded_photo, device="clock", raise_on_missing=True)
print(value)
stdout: 2:20
